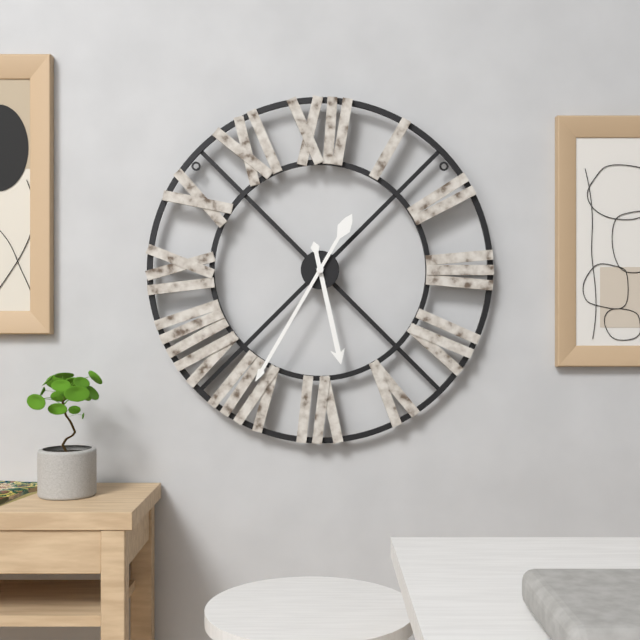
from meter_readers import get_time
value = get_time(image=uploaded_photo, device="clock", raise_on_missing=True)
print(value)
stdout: 5:35
